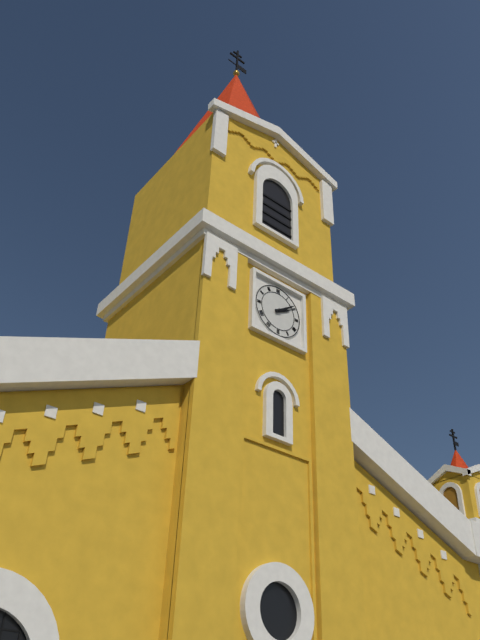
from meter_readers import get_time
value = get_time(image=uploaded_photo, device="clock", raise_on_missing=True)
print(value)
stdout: 2:09
